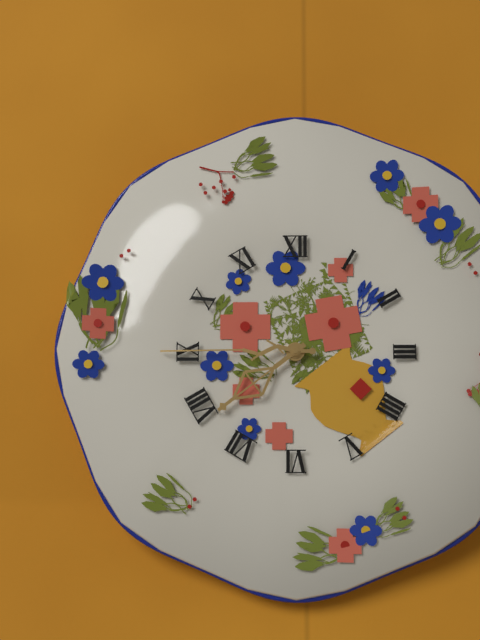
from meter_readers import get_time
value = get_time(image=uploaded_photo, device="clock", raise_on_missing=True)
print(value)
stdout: 7:45
